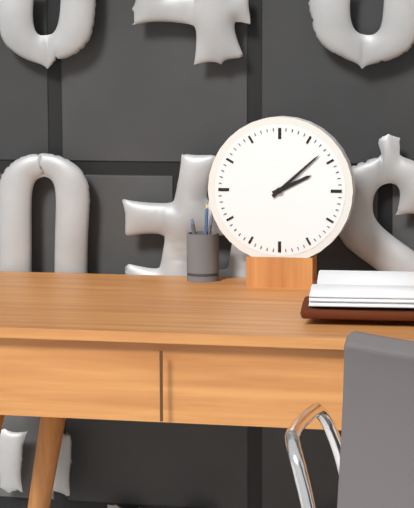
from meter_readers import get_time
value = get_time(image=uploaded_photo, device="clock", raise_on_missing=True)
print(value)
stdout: 2:08
